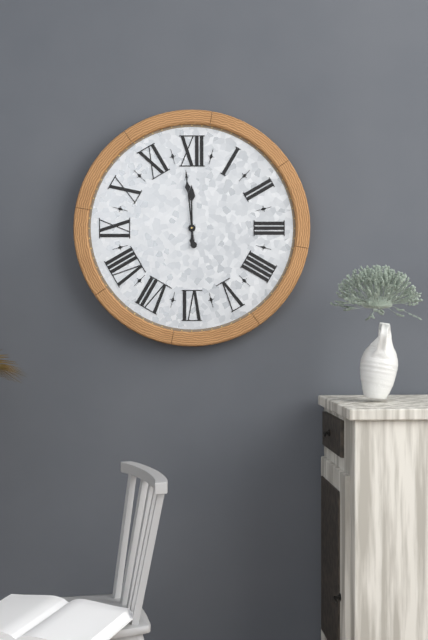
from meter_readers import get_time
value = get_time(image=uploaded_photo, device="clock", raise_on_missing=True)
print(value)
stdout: 11:59
